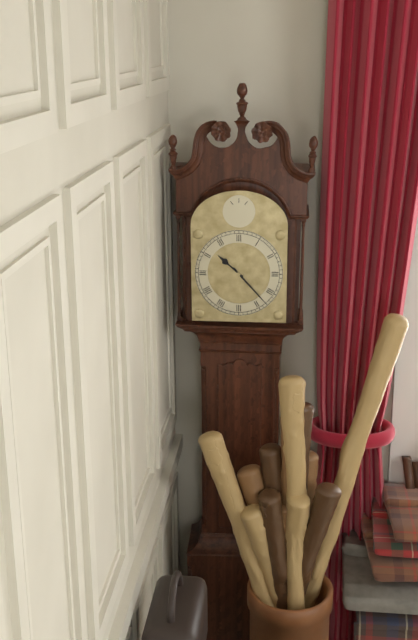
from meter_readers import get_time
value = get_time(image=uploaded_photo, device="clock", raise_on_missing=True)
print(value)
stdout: 10:23
